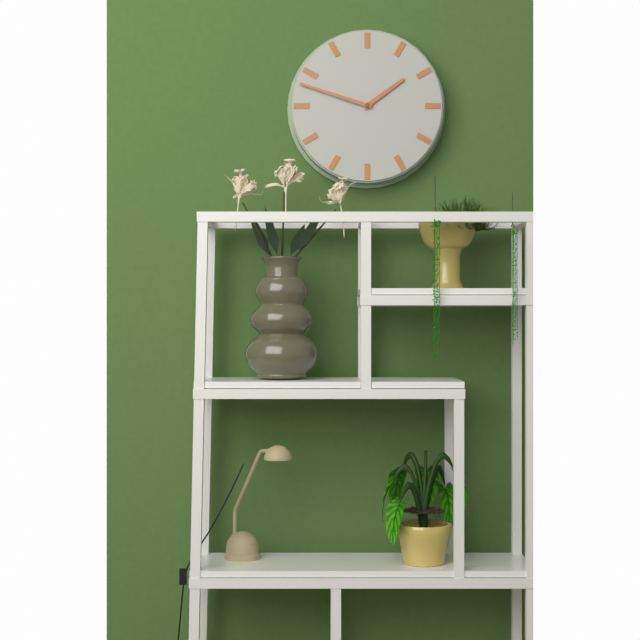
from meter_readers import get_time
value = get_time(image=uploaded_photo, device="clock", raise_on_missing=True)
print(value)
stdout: 1:48
